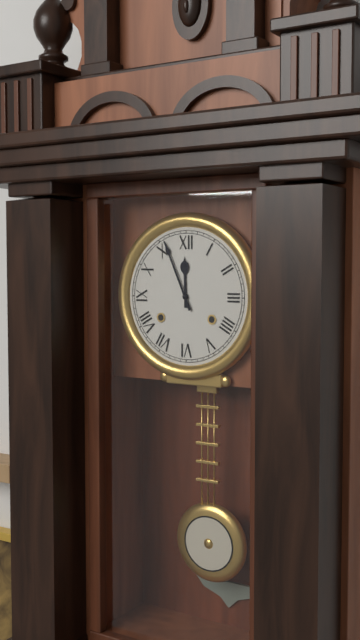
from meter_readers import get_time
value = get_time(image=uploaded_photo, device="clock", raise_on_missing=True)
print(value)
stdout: 11:56
